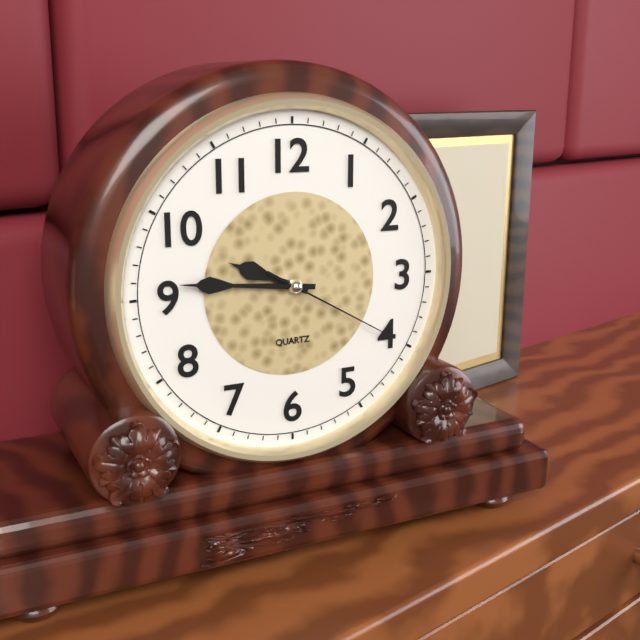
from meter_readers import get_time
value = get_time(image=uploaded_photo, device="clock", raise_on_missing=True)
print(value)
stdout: 9:46:20
